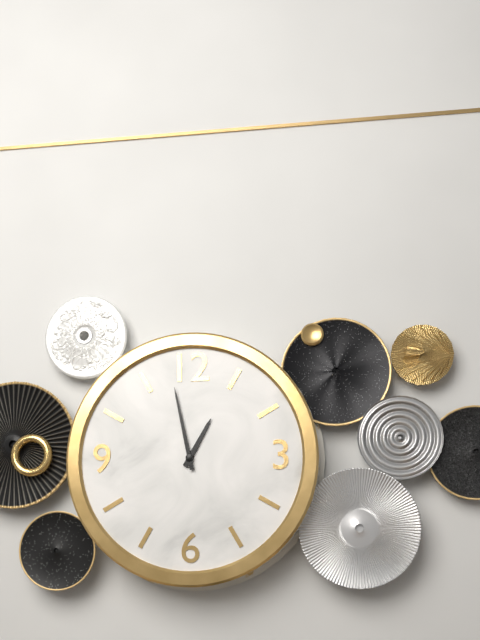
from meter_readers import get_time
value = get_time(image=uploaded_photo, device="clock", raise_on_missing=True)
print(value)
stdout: 12:58
